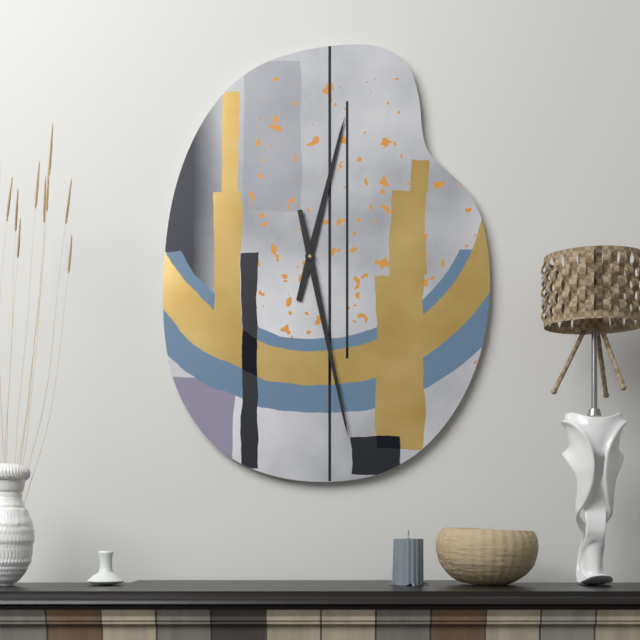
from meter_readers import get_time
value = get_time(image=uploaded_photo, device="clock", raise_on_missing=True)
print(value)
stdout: 12:28
